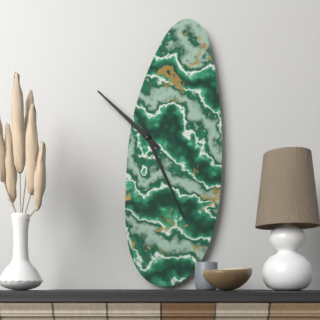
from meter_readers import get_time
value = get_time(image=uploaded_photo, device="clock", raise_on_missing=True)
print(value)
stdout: 10:26
